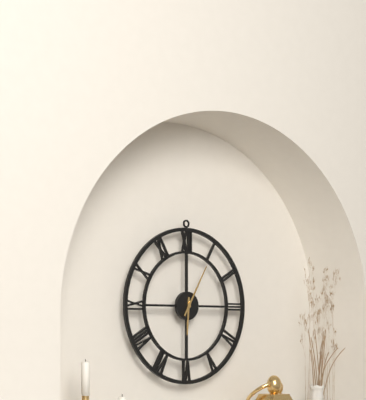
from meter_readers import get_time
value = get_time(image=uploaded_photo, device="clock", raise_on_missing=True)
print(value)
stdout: 6:05
